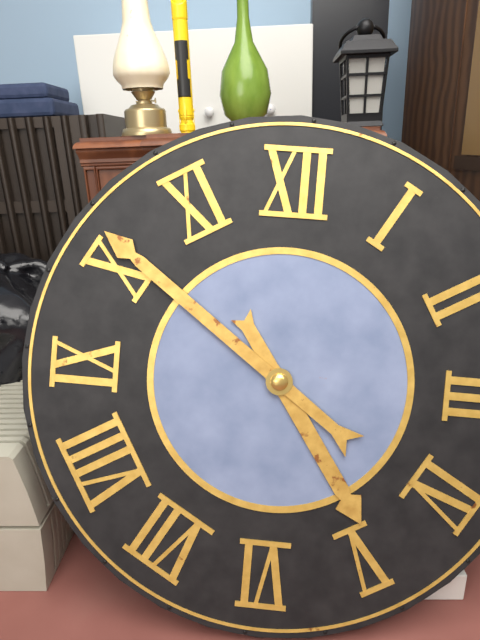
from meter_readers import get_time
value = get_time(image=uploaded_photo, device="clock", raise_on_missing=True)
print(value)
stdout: 4:51
